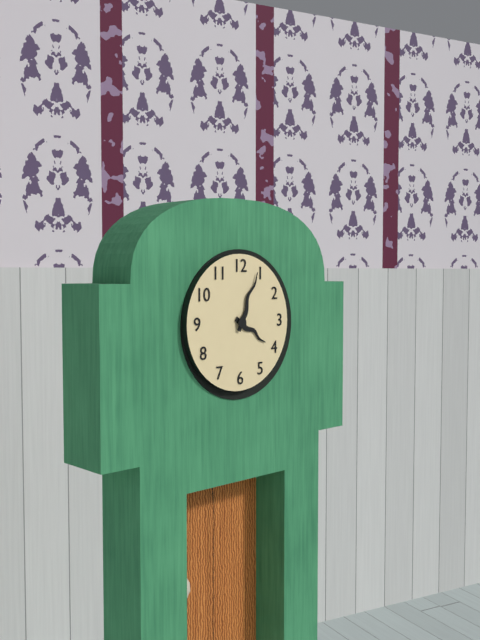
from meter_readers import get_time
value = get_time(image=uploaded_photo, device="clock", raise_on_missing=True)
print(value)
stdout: 4:04
